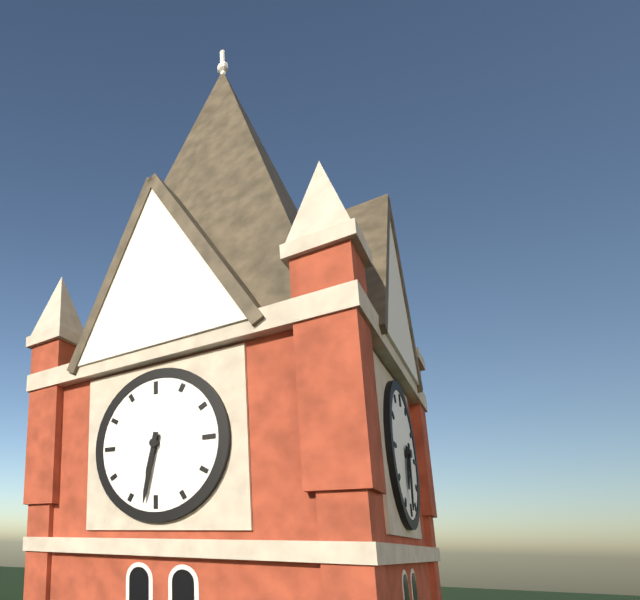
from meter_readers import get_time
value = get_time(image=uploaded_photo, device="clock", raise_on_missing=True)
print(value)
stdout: 6:32
